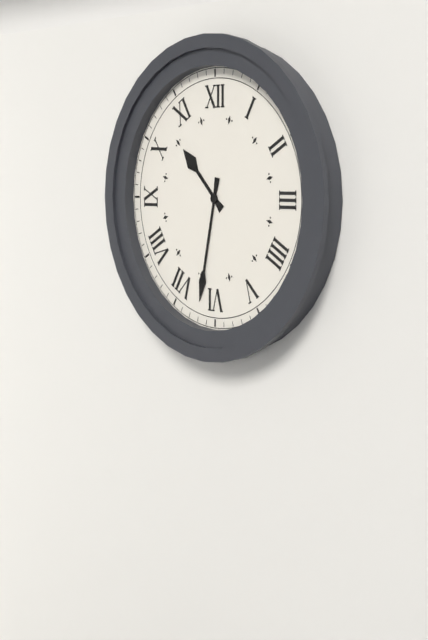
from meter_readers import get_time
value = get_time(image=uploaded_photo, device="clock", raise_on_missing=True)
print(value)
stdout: 10:32
